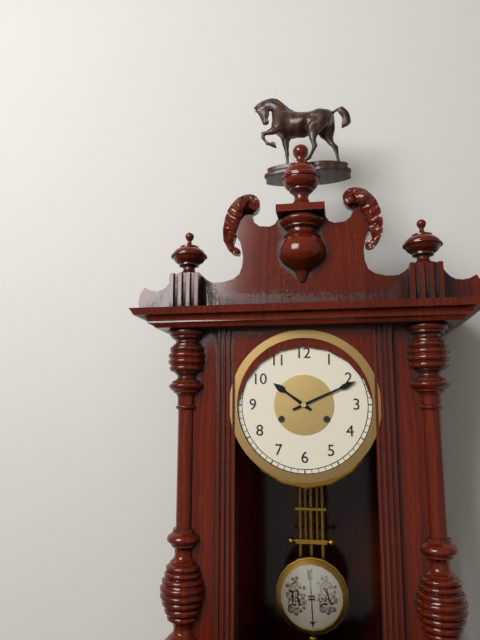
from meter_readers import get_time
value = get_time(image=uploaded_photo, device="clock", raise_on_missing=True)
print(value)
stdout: 10:11
